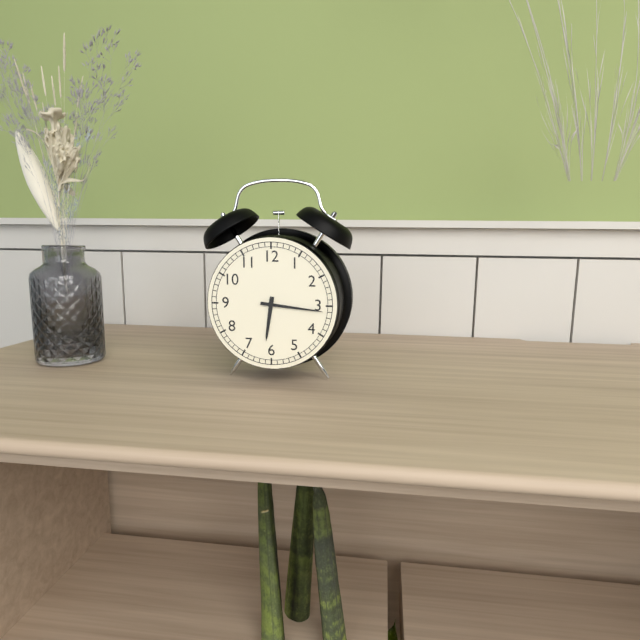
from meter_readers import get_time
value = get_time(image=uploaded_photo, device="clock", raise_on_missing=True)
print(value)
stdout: 6:16
